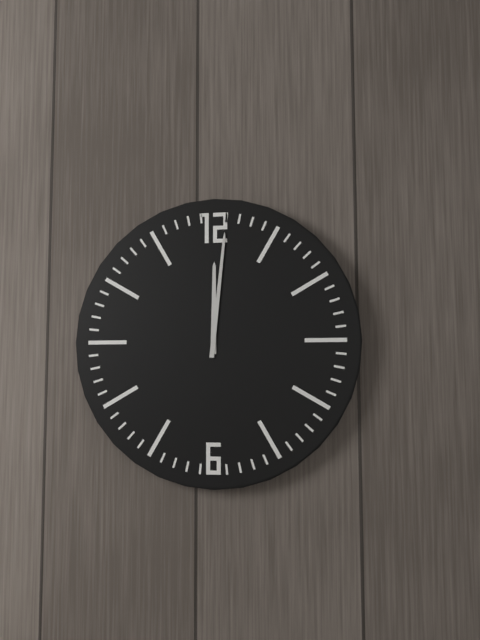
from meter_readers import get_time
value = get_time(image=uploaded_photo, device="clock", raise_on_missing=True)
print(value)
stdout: 12:01
